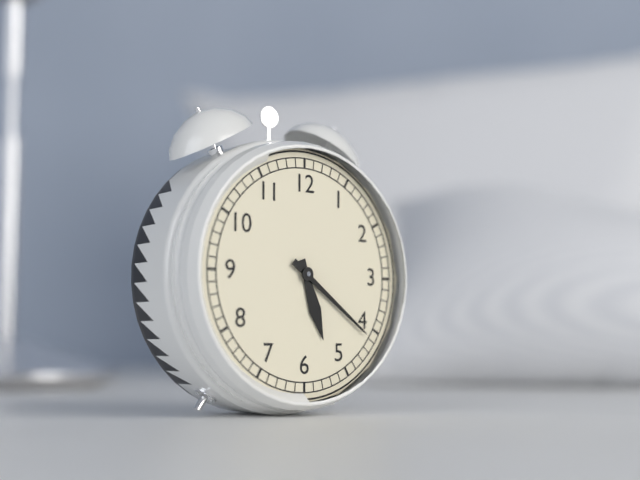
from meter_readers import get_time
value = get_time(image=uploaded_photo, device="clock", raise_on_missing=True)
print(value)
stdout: 5:21
